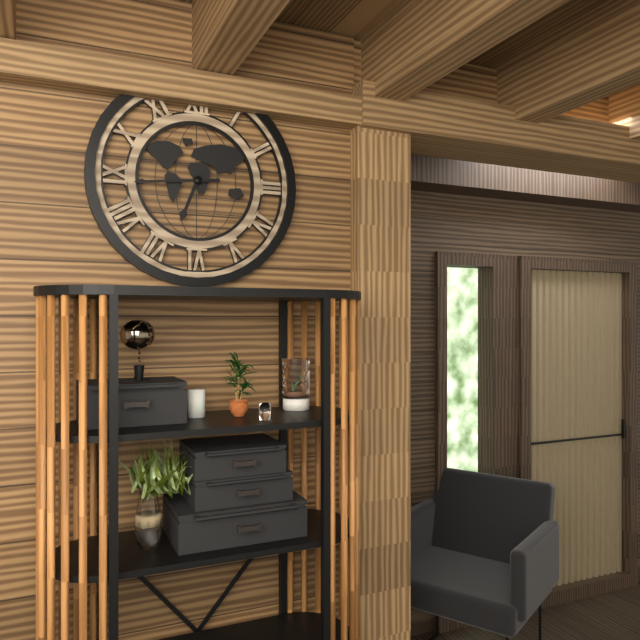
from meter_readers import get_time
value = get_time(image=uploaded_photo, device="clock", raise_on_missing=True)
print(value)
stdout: 6:44
